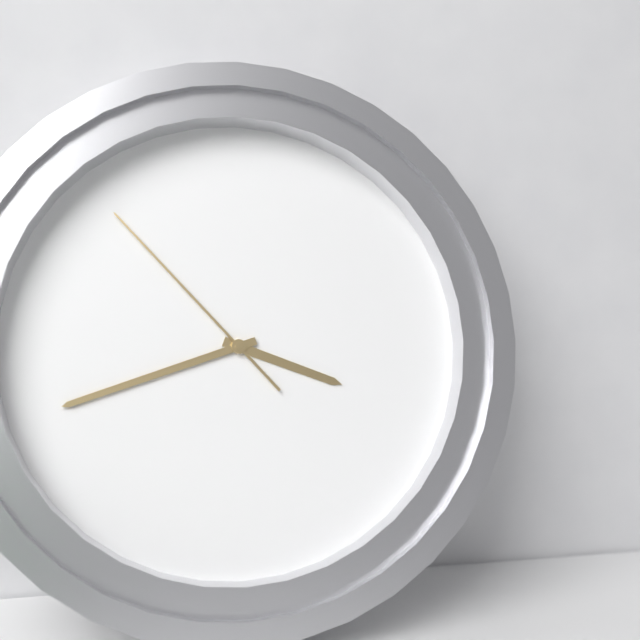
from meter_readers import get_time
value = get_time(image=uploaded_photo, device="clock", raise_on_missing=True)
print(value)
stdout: 3:42:53
